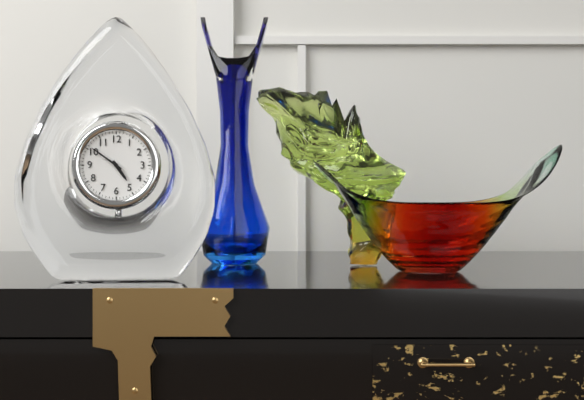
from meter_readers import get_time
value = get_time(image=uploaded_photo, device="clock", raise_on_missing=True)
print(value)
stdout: 4:51
